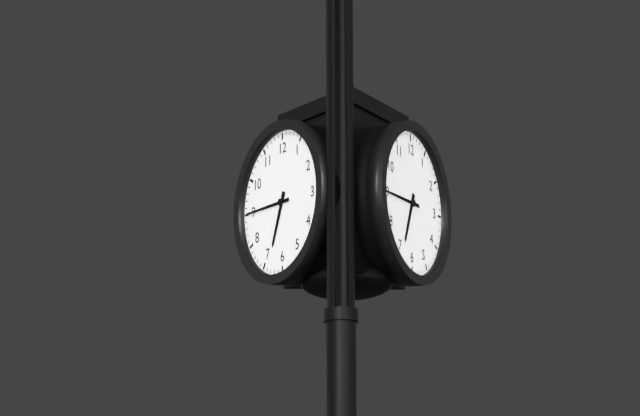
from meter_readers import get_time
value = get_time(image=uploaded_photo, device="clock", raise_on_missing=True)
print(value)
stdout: 6:45
